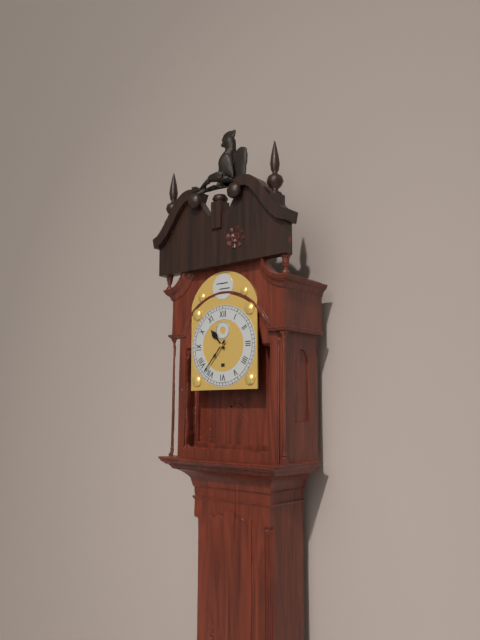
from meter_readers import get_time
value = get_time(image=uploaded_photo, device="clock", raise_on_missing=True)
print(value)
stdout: 10:37
